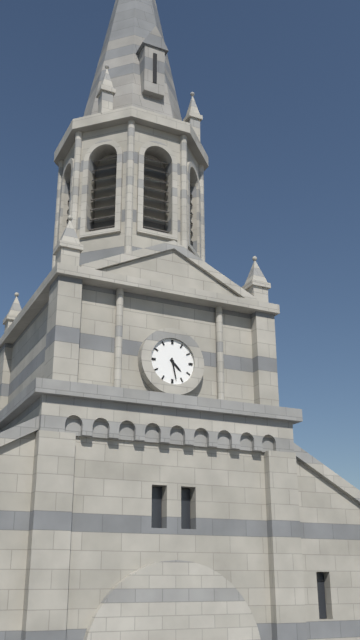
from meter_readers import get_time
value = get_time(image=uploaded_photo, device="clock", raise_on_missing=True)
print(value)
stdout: 4:28
